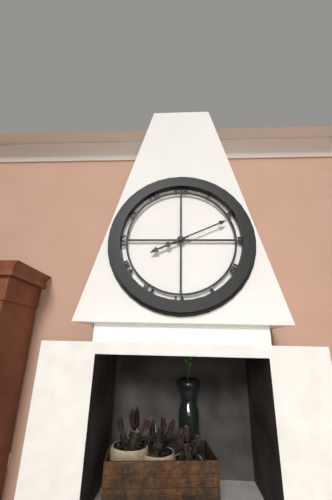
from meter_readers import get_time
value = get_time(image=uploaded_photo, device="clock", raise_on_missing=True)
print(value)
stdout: 8:11
